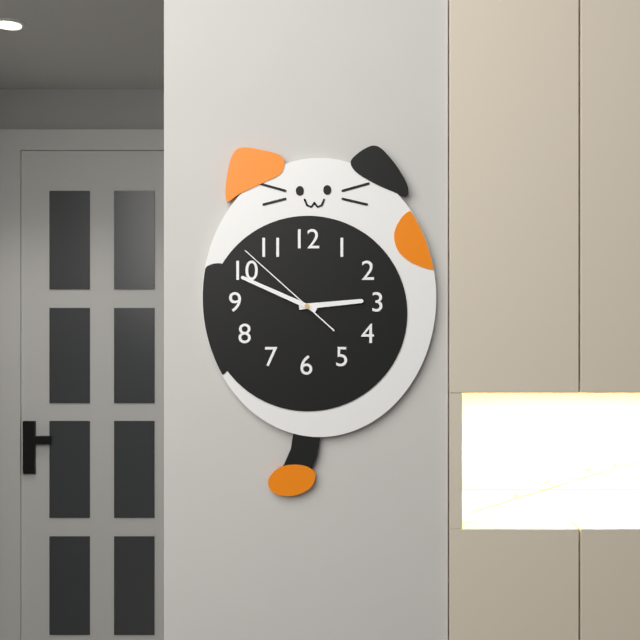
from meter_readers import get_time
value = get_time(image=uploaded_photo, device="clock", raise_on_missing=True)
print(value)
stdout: 2:49:52
